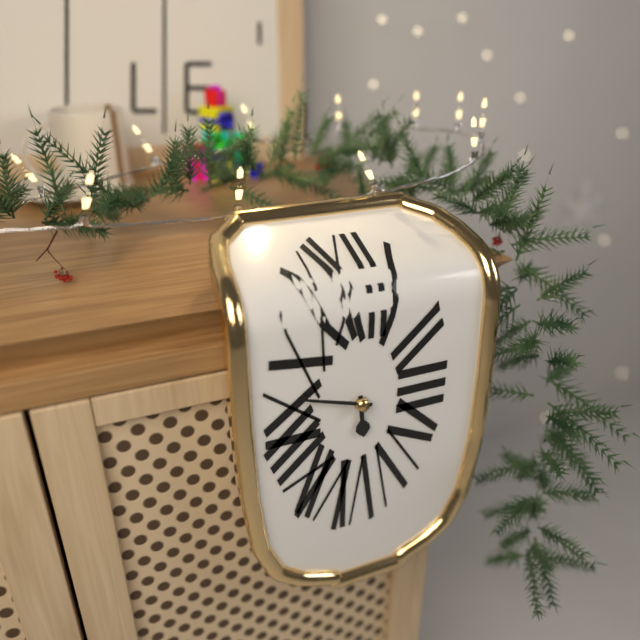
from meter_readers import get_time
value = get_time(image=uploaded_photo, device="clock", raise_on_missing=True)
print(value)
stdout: 5:48
